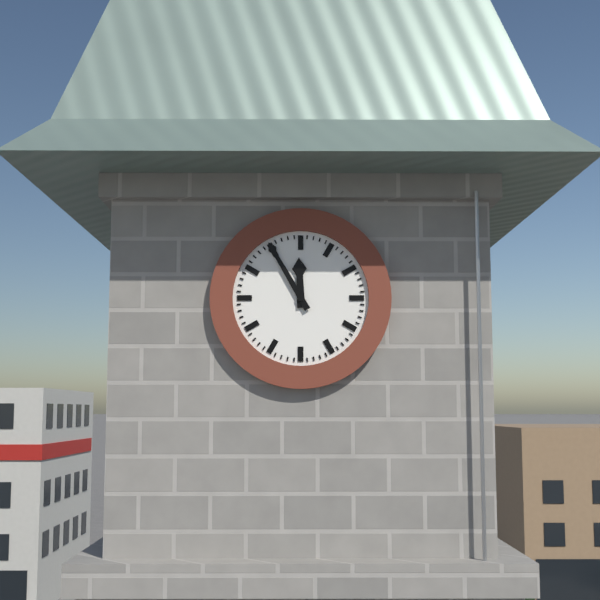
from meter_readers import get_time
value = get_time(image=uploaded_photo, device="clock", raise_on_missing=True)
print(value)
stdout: 11:55
